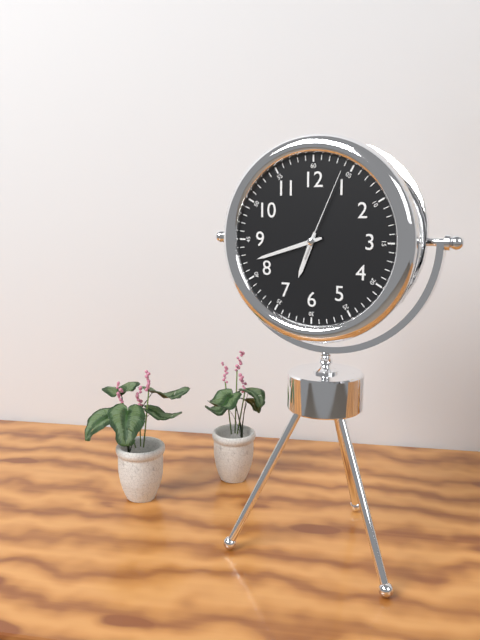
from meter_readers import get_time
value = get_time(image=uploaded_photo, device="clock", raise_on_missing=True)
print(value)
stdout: 6:42:04
